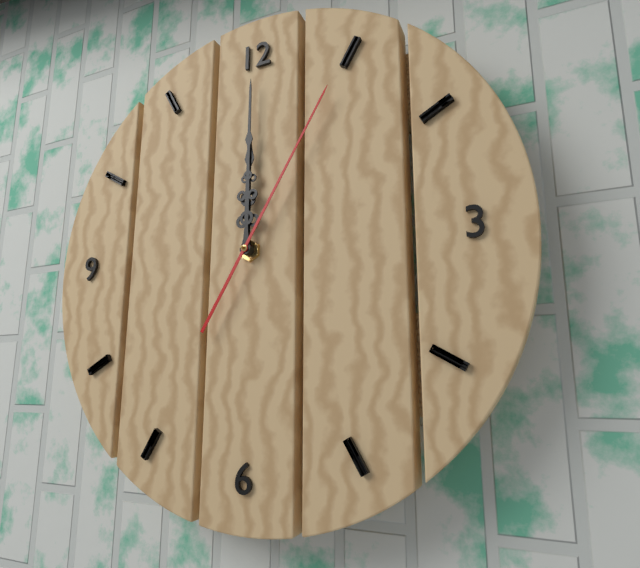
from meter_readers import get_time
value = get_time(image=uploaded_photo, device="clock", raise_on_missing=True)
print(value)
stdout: 12:00:05
